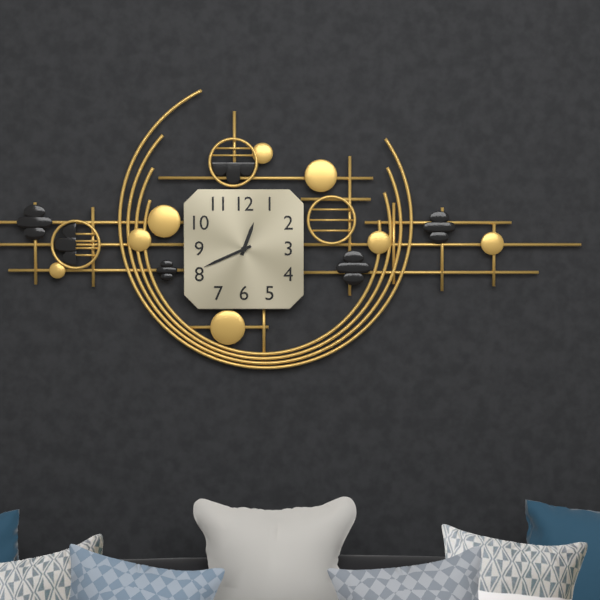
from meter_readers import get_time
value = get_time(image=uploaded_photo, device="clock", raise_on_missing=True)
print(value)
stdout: 12:41
